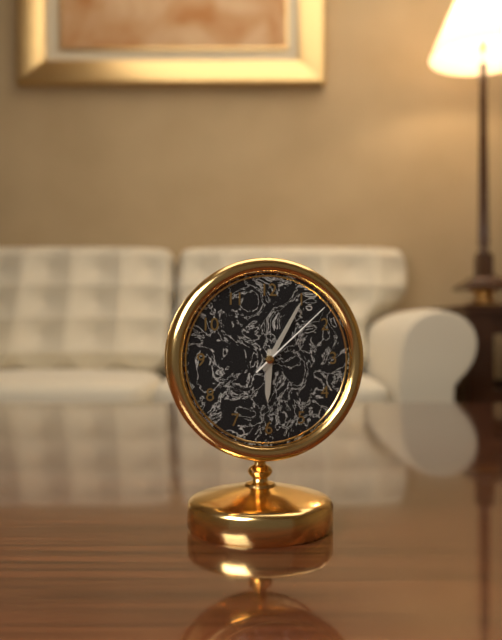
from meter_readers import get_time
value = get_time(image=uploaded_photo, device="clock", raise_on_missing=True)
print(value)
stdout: 6:05:08
